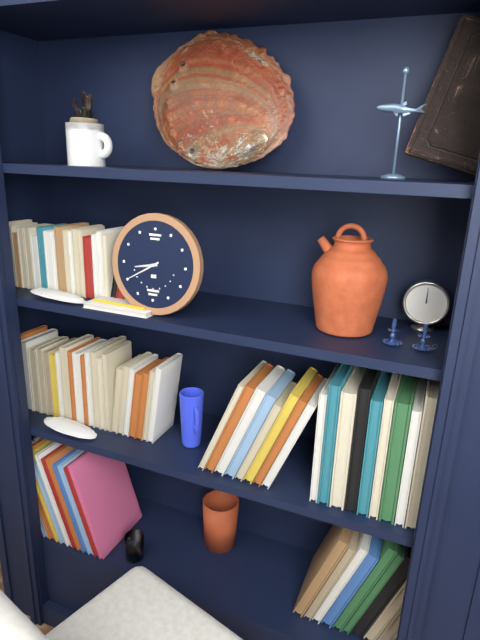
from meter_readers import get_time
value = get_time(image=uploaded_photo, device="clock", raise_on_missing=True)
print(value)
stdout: 8:40
